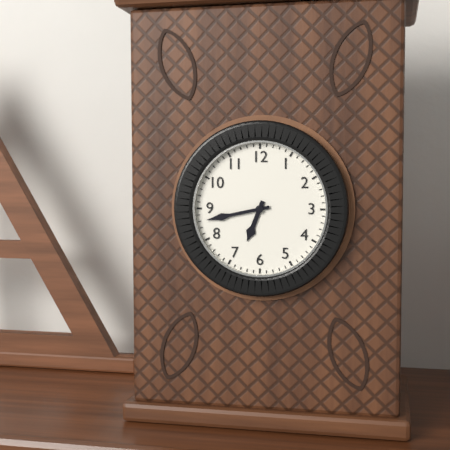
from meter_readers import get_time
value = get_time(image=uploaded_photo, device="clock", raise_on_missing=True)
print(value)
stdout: 6:43
